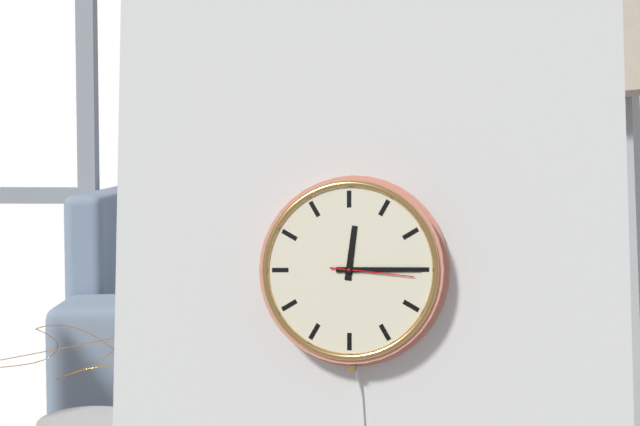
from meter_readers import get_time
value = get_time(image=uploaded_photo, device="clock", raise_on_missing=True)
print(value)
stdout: 12:15:16
